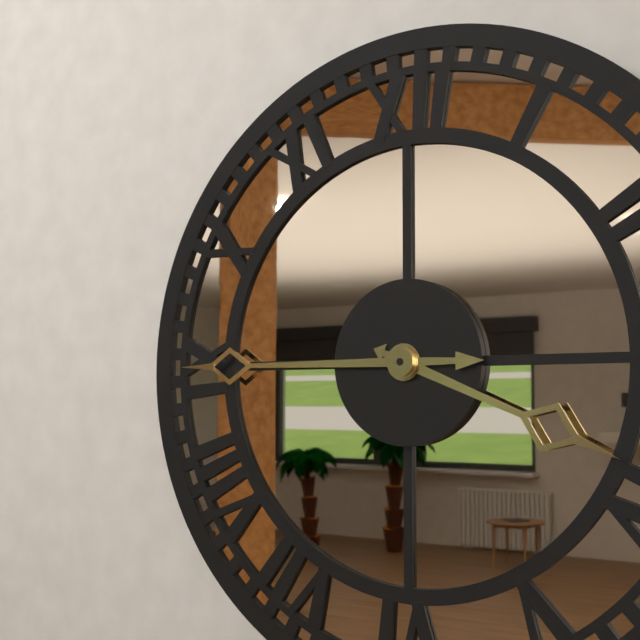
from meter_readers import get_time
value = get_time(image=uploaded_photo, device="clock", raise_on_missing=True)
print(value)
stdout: 3:45
